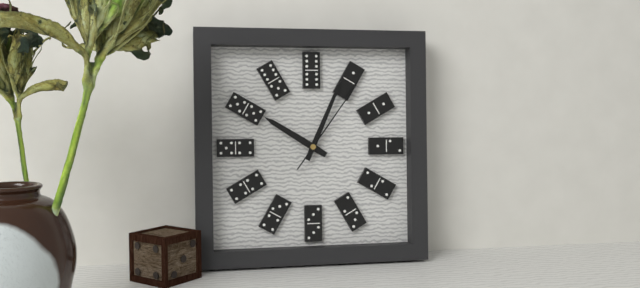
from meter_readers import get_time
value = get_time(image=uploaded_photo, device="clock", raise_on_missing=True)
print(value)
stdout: 10:04:06
